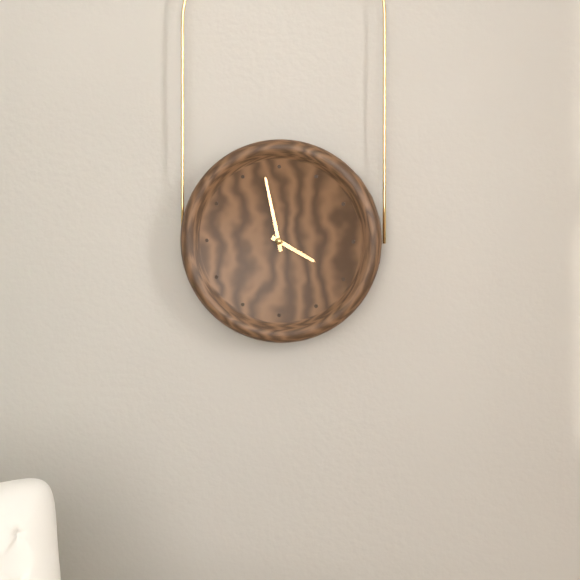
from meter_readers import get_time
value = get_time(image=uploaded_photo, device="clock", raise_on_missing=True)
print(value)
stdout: 3:58
